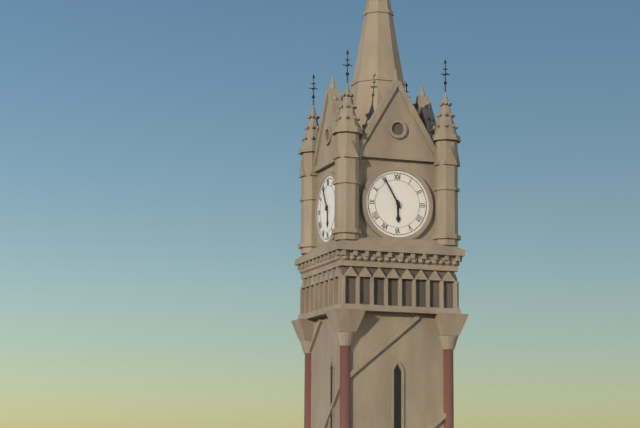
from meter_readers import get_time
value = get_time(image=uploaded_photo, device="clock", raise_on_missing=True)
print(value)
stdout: 5:55
